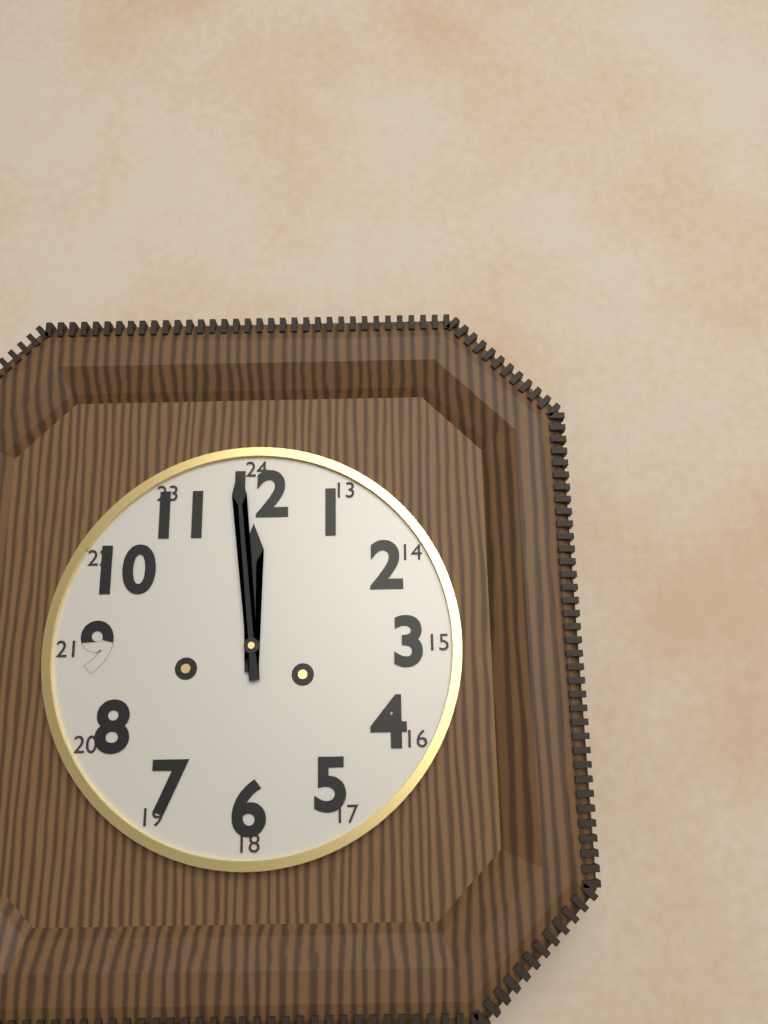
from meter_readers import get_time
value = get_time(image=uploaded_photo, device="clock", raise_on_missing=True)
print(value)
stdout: 11:59
